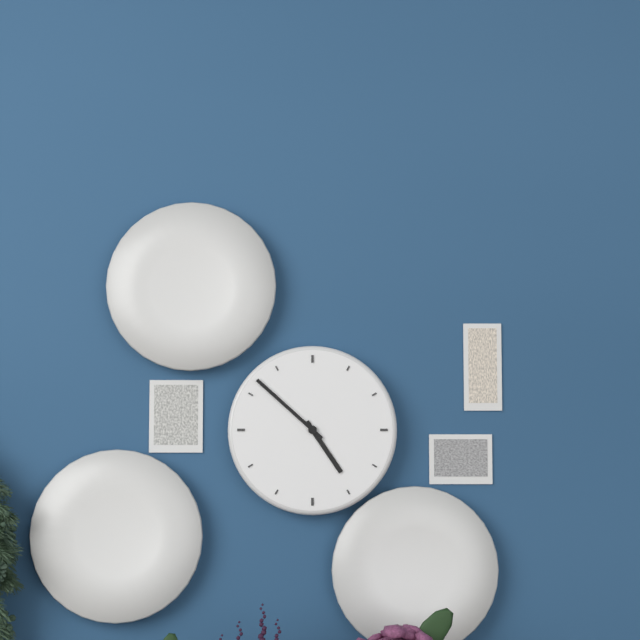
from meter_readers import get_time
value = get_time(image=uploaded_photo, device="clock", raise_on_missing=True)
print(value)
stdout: 4:52
